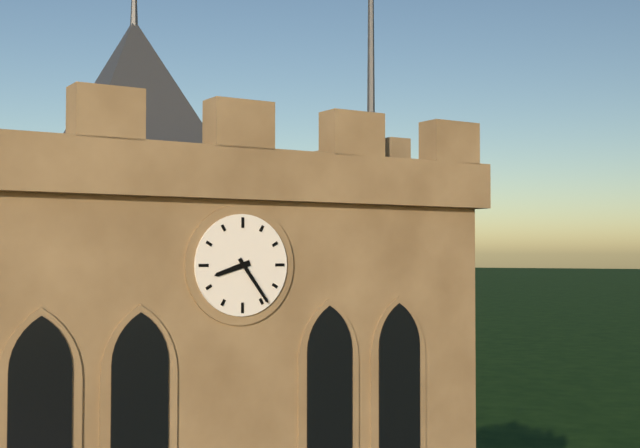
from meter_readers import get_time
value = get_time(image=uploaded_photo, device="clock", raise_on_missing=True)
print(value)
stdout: 8:24
